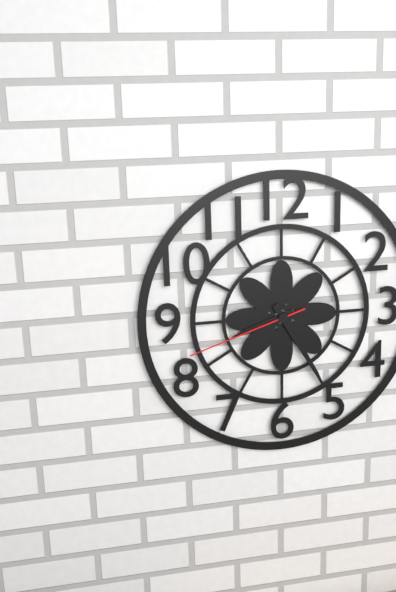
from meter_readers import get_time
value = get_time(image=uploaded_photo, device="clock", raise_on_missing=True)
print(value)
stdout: 8:25:42
